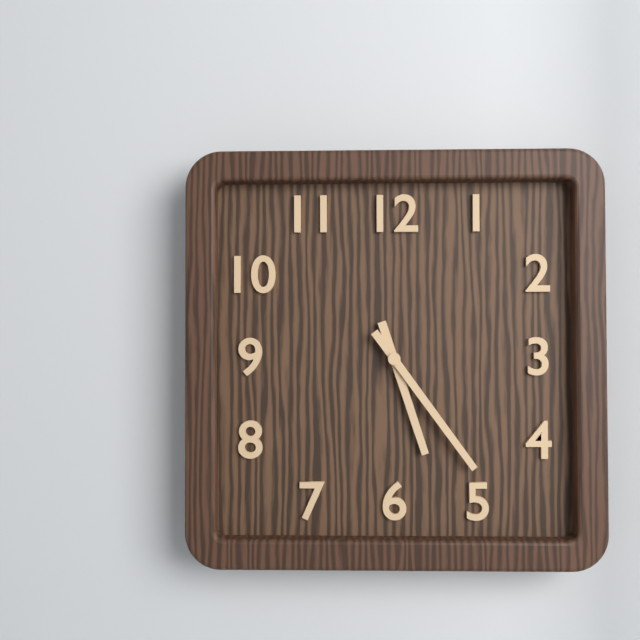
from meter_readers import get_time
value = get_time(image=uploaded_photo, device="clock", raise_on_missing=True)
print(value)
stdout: 5:24
